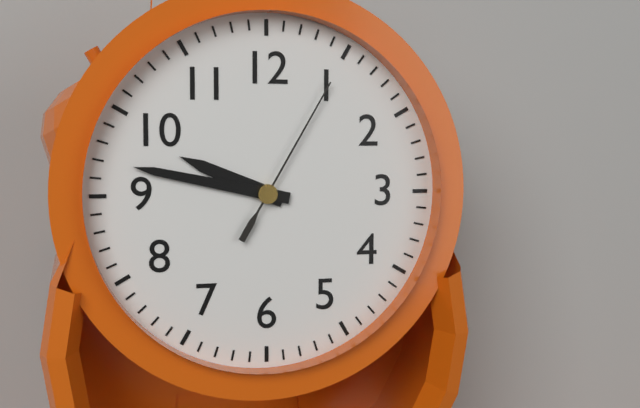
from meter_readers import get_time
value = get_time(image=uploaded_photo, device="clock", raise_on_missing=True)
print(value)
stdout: 9:47:05
